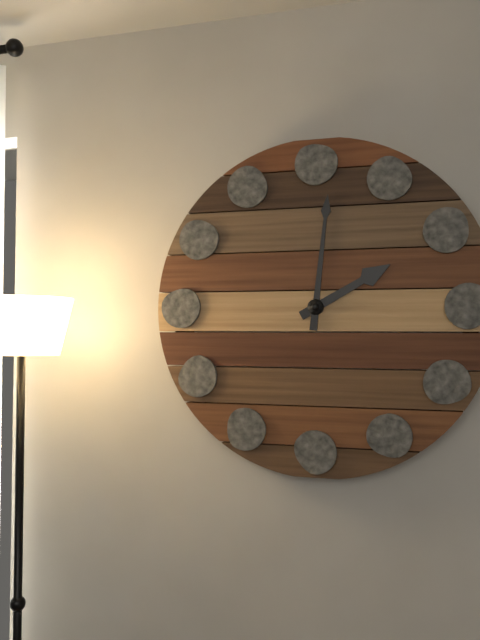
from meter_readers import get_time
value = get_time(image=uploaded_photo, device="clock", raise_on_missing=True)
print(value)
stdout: 2:01
